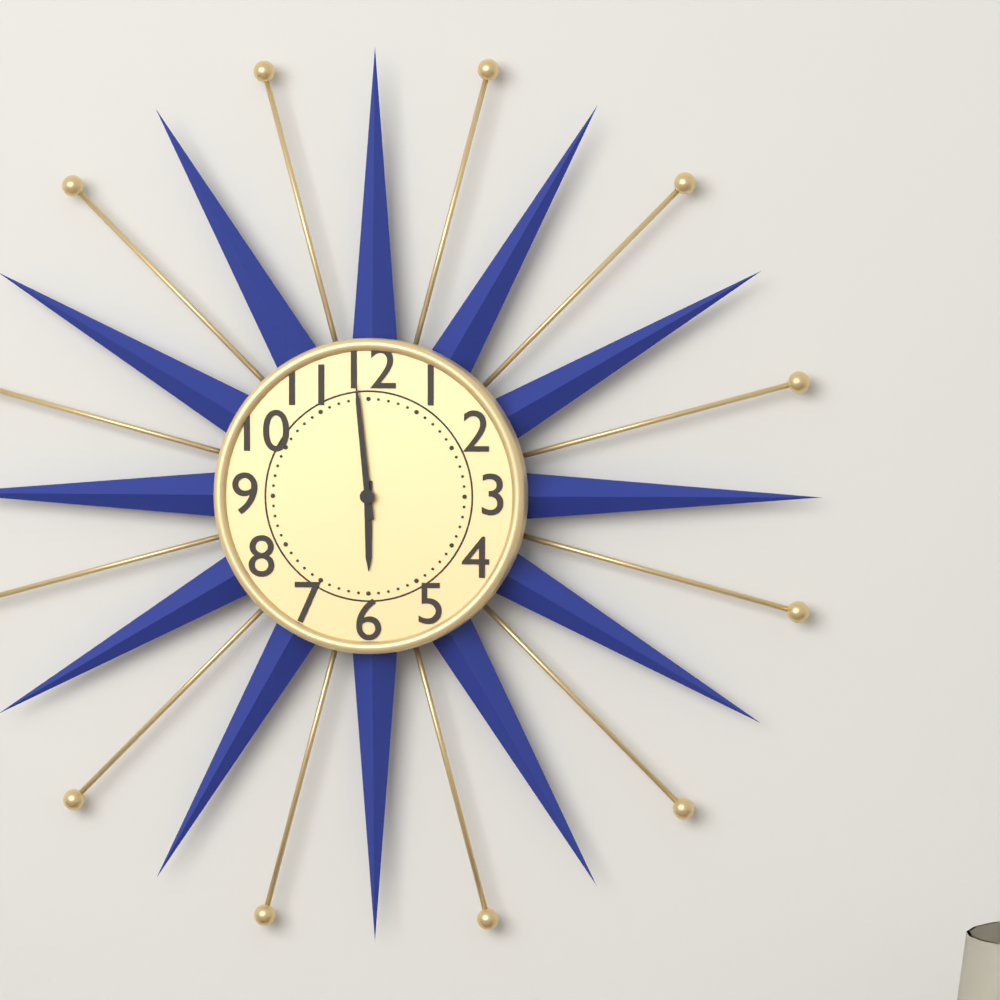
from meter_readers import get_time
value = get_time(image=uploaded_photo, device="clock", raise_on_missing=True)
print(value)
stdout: 5:59
